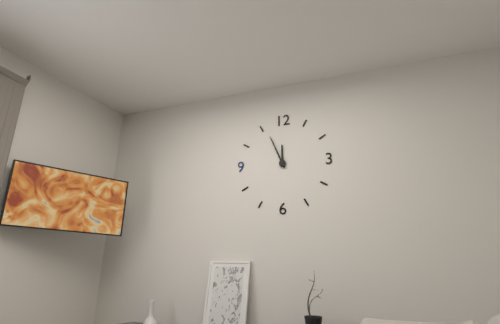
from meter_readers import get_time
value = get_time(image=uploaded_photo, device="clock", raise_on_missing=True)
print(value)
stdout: 11:56
